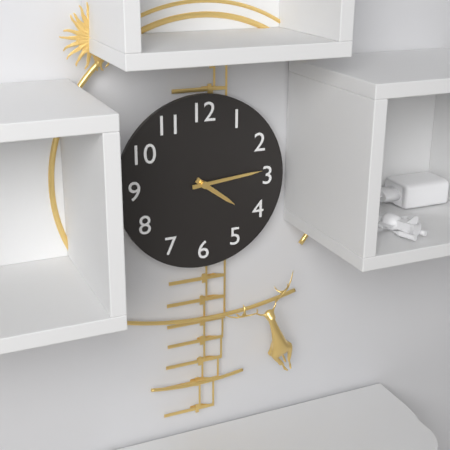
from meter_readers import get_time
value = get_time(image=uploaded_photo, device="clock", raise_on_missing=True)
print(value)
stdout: 4:14
